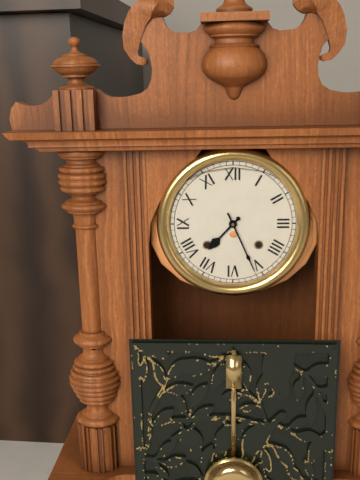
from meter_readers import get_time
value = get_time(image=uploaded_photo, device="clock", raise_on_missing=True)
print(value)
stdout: 7:26
